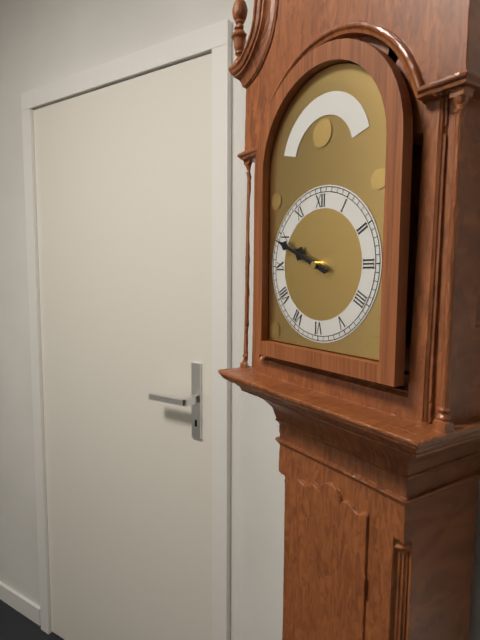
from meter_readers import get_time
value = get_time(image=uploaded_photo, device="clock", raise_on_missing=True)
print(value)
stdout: 9:49
